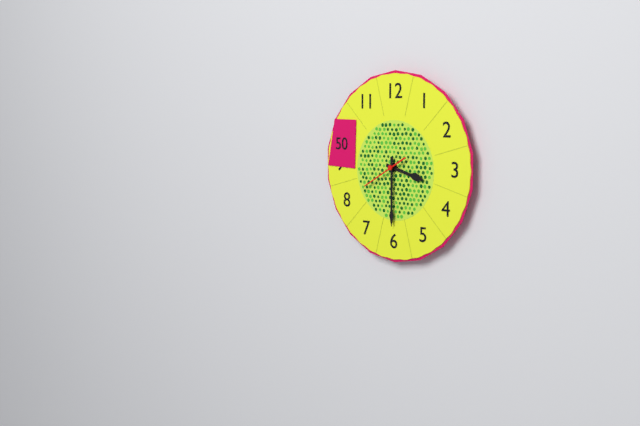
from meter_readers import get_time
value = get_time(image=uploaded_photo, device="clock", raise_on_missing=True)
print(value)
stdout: 3:30
